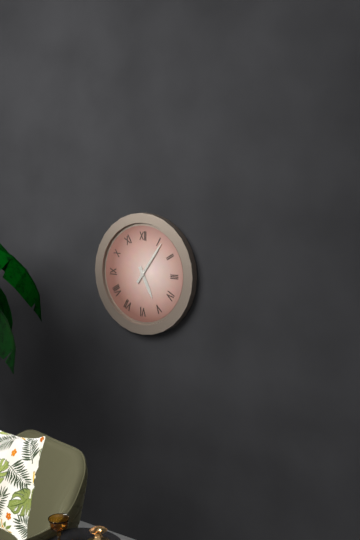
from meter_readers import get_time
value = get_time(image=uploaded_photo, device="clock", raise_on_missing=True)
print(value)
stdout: 5:06
